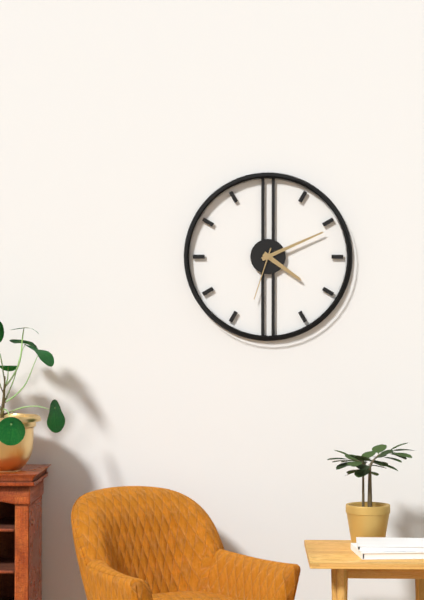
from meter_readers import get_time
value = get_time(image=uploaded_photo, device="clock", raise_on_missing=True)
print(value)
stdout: 4:11:33
